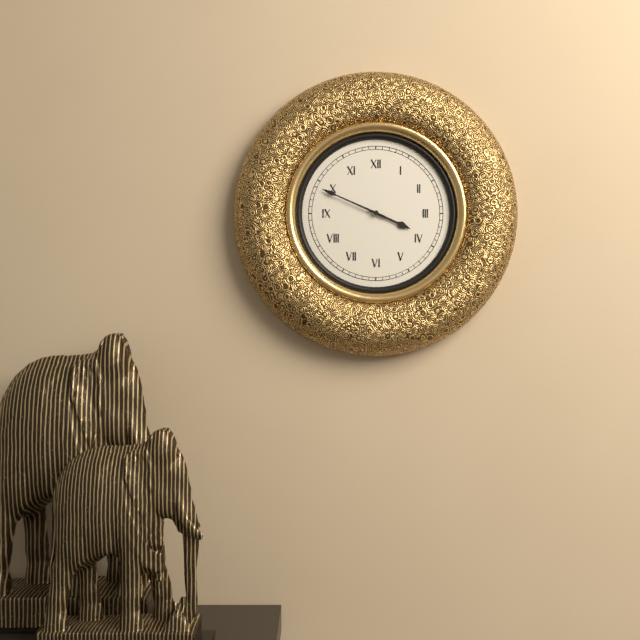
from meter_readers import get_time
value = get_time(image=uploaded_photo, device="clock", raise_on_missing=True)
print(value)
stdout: 3:49
